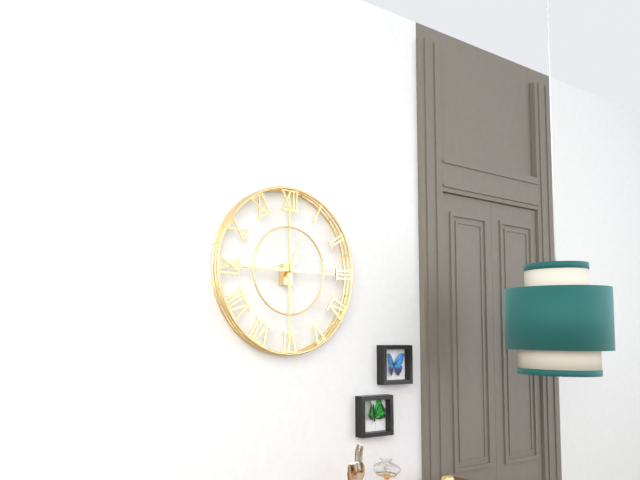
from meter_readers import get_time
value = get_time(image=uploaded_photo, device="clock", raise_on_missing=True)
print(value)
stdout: 12:45
